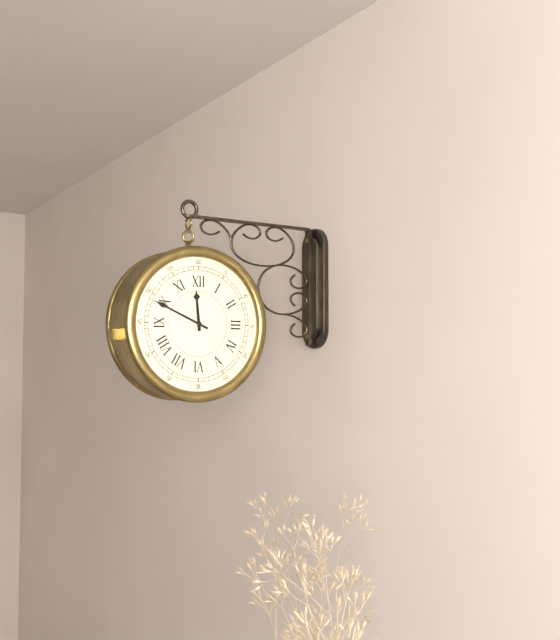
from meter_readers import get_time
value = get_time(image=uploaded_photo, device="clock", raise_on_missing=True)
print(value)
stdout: 11:49
